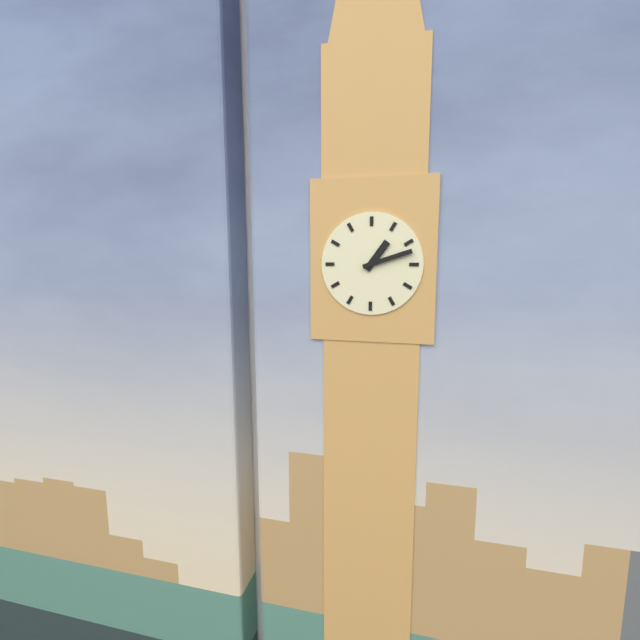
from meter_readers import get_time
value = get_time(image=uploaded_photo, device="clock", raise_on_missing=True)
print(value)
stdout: 1:12
